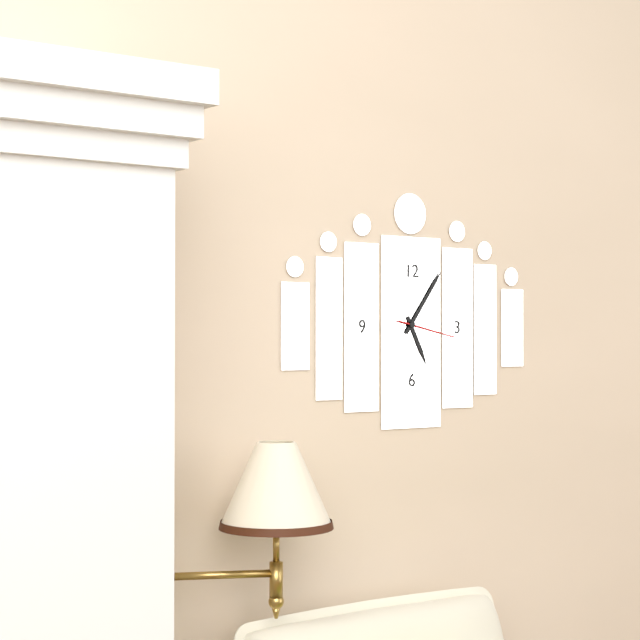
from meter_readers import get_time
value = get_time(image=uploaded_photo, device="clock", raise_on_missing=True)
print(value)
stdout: 5:06:17
